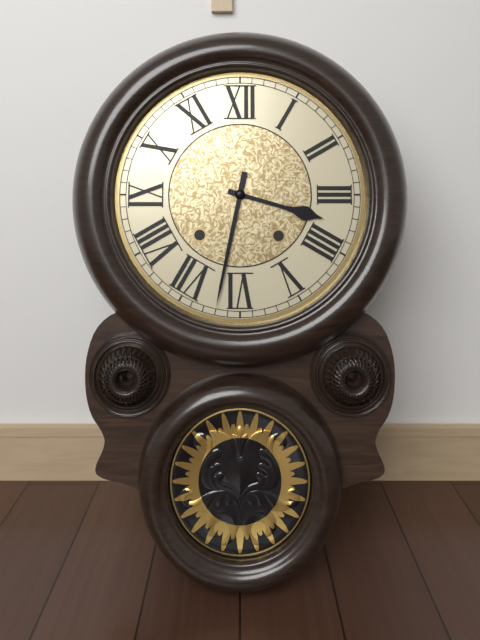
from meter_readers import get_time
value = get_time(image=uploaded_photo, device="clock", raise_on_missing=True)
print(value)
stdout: 3:32
